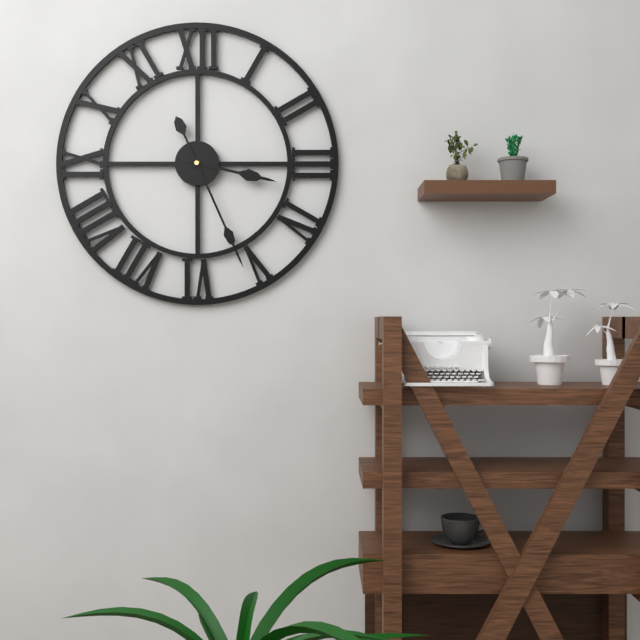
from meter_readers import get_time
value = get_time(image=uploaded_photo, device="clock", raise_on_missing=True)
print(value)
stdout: 3:26
